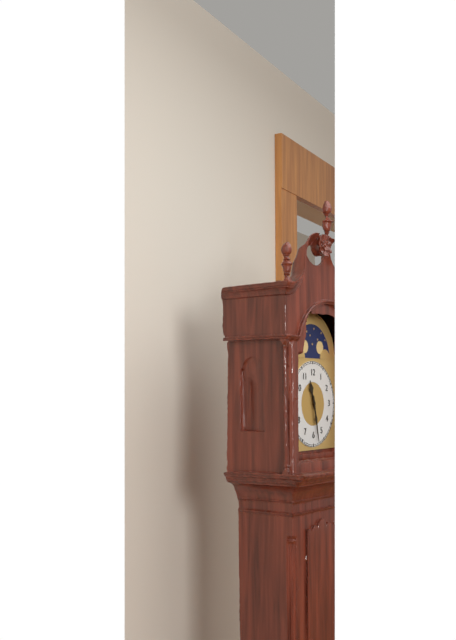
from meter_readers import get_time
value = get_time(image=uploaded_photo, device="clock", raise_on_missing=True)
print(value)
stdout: 11:28
